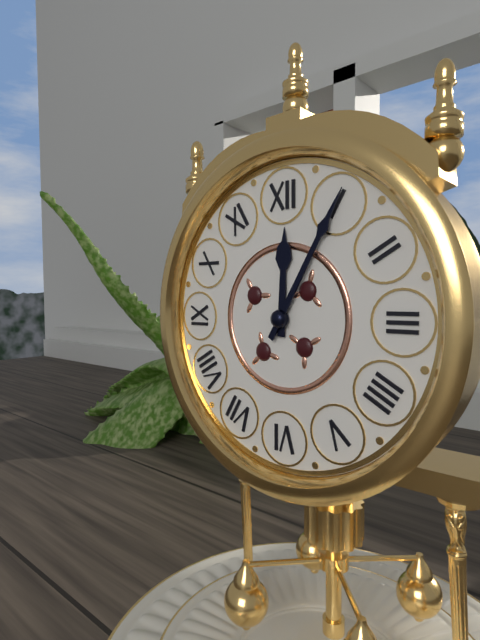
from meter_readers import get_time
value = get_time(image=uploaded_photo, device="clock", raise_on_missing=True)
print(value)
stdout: 12:05
